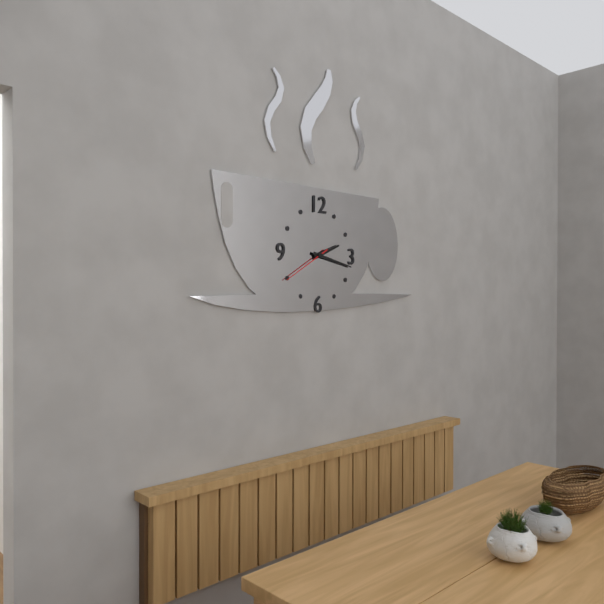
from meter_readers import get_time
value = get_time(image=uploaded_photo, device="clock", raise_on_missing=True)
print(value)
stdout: 2:17:40
